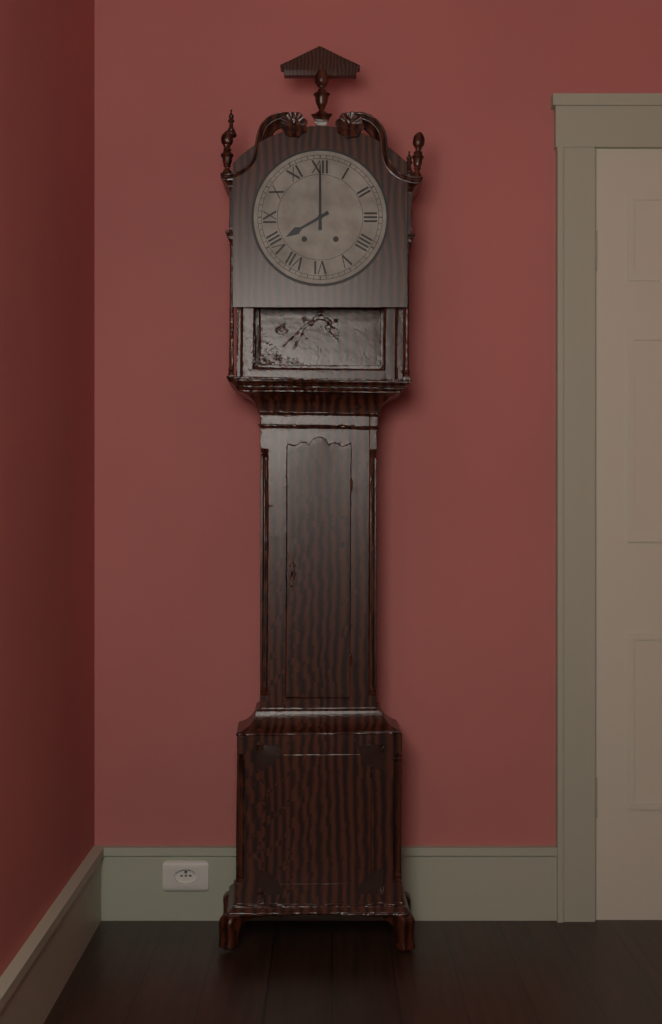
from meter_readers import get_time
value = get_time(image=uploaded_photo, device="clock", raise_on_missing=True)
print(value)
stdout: 8:00
